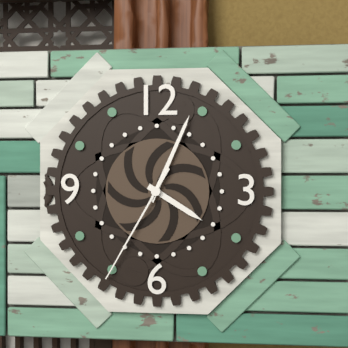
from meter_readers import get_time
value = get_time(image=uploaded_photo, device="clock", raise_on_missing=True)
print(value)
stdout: 4:04:35
